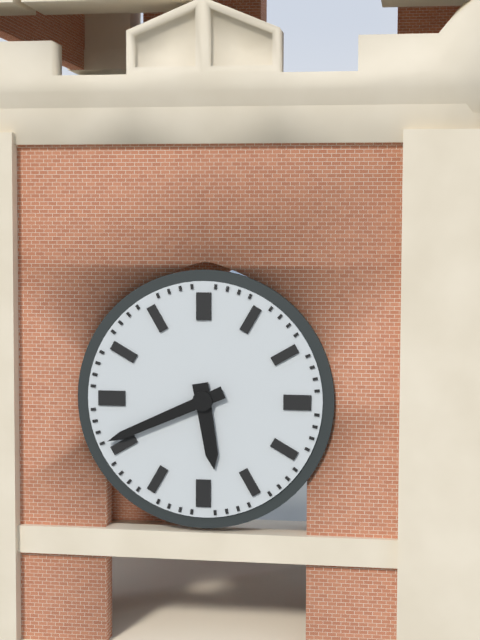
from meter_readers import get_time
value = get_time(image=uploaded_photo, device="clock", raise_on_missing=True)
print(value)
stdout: 5:41
